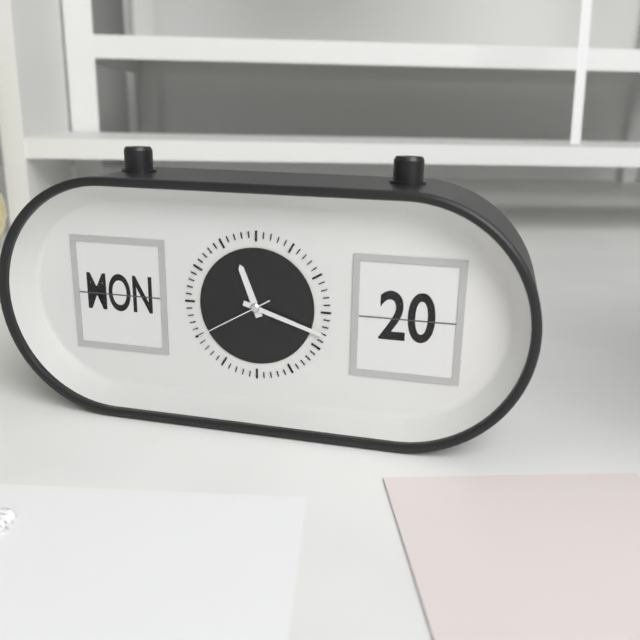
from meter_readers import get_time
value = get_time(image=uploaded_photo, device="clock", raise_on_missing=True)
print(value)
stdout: 11:18:40
